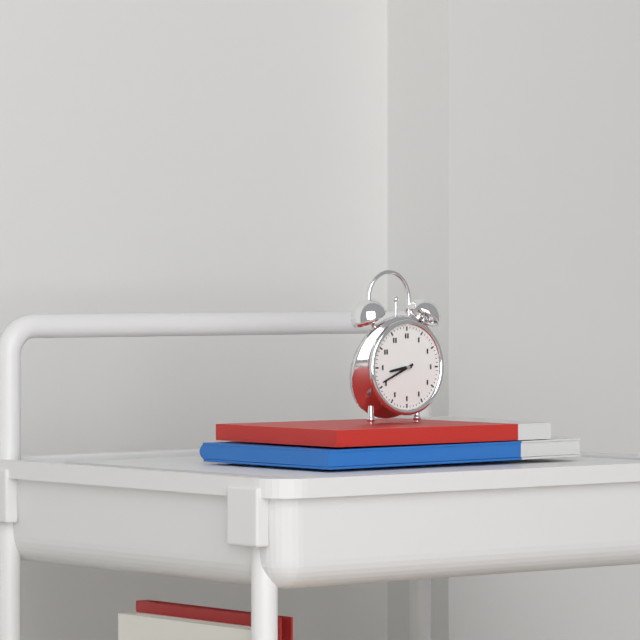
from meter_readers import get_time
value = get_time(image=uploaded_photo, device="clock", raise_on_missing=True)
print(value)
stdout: 8:41
